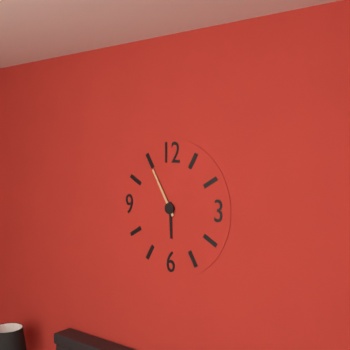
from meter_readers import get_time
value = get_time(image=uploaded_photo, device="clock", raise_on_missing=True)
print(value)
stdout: 5:55
